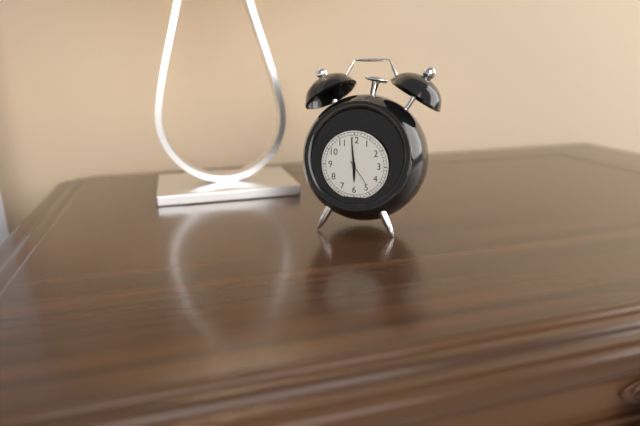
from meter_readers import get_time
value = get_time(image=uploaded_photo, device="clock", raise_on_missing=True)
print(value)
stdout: 5:59
